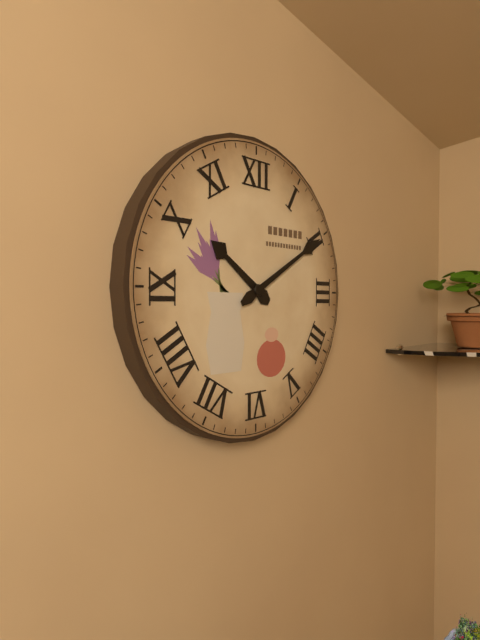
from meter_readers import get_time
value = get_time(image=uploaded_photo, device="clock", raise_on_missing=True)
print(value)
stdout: 10:10
